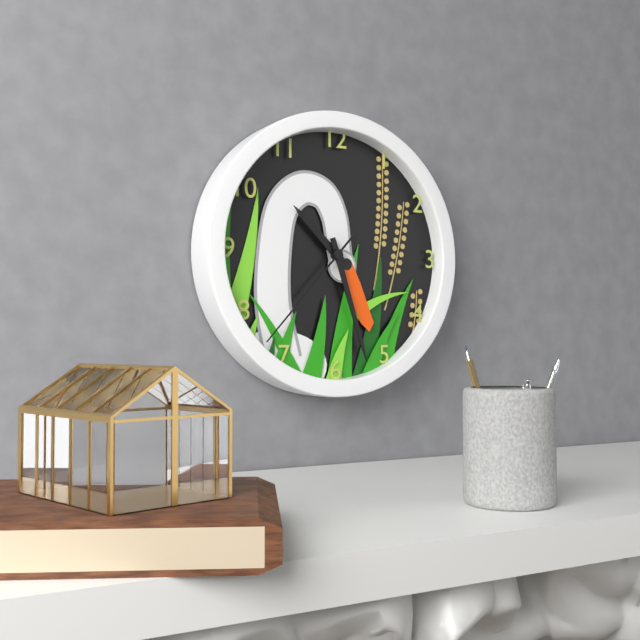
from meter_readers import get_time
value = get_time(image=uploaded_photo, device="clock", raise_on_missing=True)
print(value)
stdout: 10:27:37
